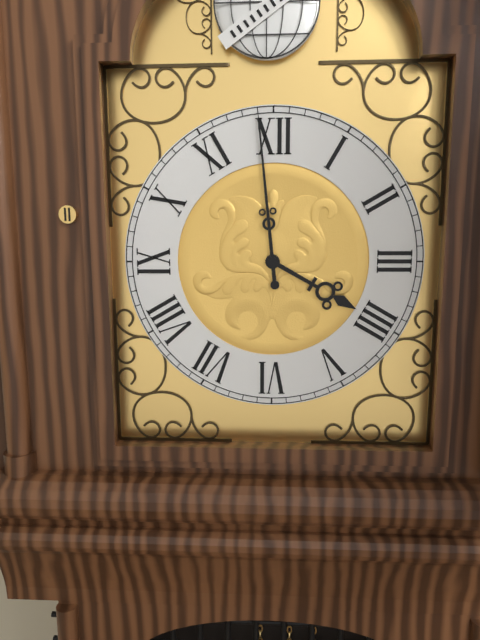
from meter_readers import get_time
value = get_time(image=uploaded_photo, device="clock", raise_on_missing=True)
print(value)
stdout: 3:59
